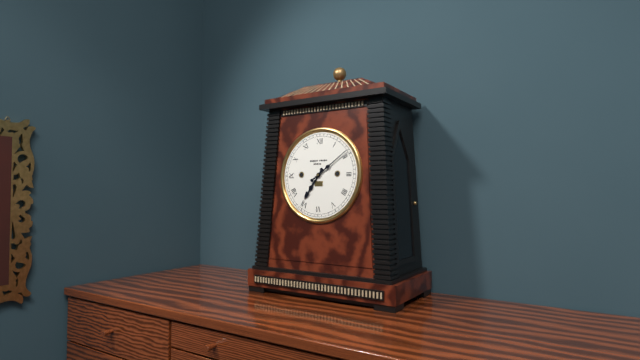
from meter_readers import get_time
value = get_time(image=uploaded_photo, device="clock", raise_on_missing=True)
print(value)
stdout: 7:09
